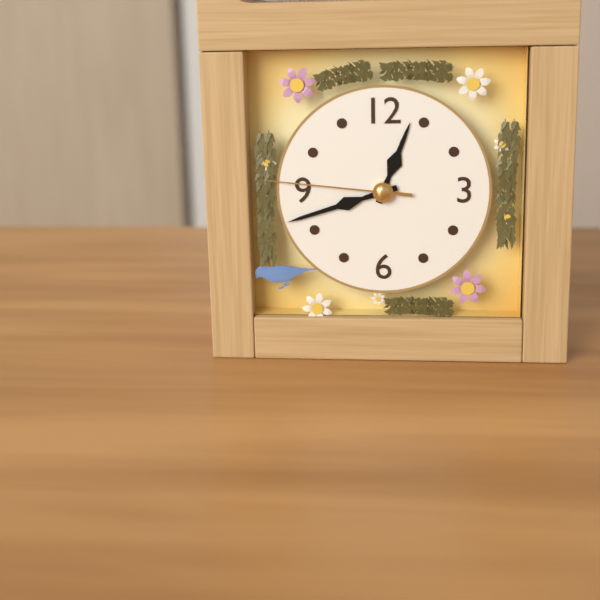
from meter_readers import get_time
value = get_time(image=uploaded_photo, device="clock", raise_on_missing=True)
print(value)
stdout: 12:42:46
